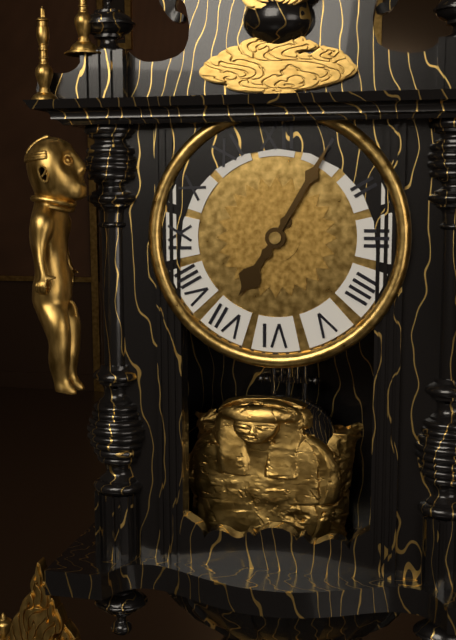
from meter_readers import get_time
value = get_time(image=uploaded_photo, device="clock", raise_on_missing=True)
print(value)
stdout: 7:05
